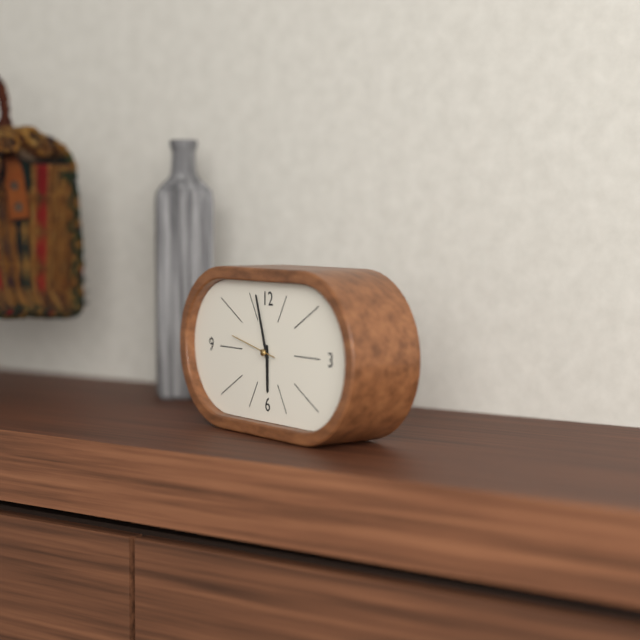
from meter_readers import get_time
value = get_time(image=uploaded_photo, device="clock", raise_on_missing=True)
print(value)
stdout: 5:57
